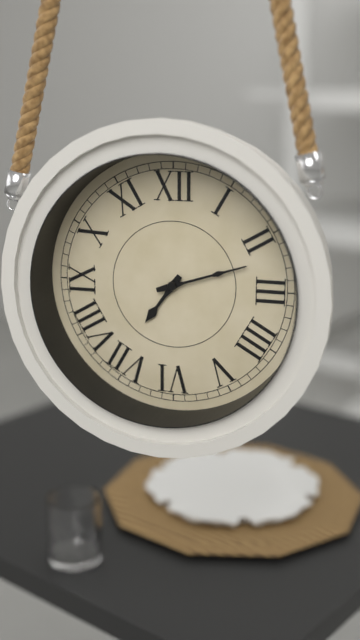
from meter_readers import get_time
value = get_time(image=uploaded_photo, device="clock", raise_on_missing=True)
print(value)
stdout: 7:12
